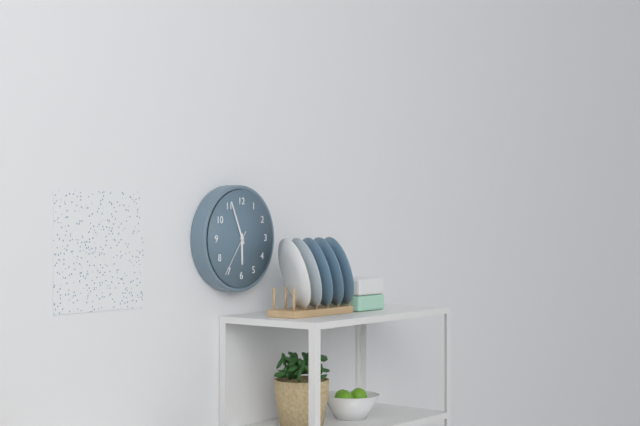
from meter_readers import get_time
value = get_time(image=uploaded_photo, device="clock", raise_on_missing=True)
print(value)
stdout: 5:56:36
